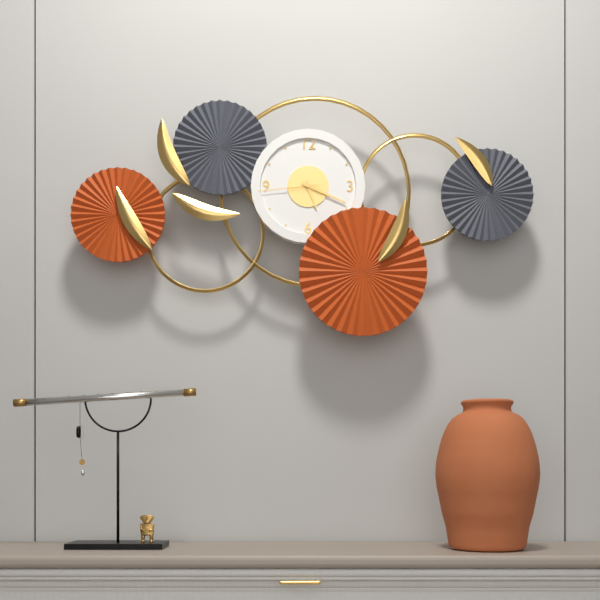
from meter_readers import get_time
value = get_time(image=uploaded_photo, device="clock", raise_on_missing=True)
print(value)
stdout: 5:19:44
